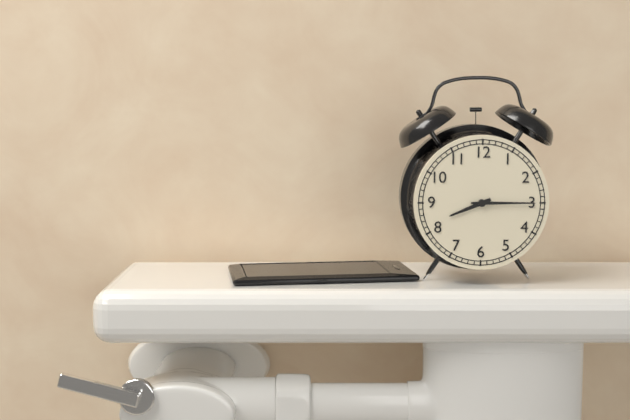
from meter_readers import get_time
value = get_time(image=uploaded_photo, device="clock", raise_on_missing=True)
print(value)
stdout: 8:15
